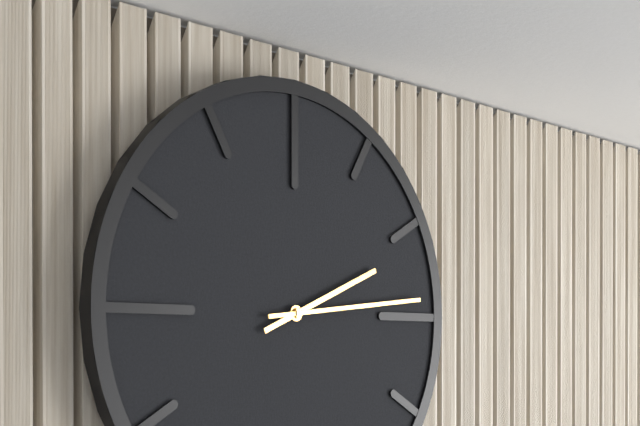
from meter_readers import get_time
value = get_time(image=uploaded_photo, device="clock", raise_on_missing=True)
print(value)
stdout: 2:14
